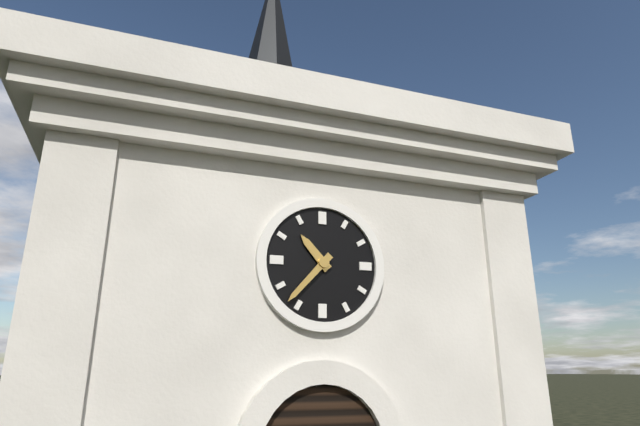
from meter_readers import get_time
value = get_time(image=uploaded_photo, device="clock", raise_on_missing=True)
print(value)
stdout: 10:37
